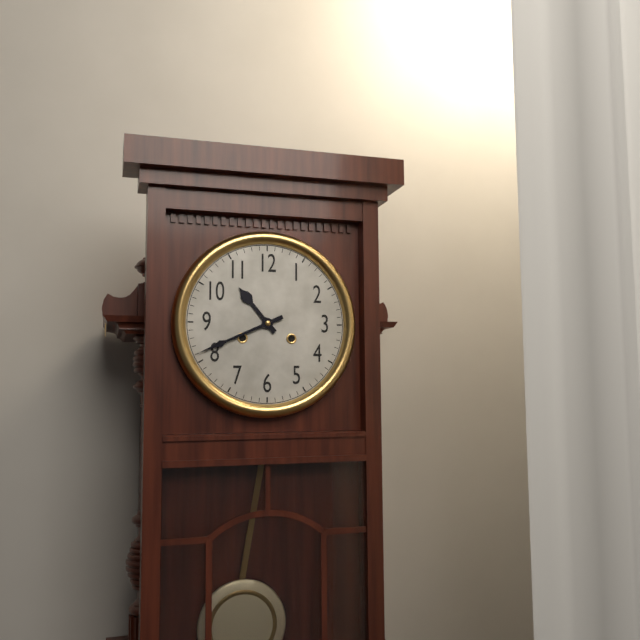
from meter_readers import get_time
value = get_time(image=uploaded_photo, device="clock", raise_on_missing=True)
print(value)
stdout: 10:41
